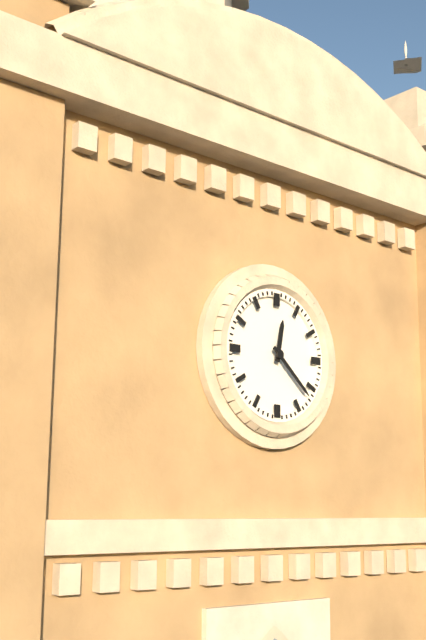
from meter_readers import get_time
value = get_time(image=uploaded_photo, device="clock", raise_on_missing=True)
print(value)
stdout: 12:22
